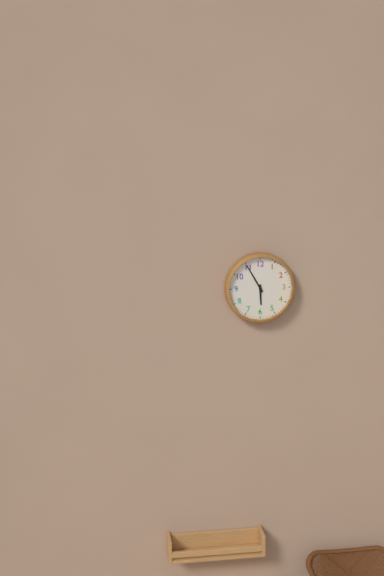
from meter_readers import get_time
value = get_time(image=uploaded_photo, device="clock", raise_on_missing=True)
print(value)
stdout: 5:55
